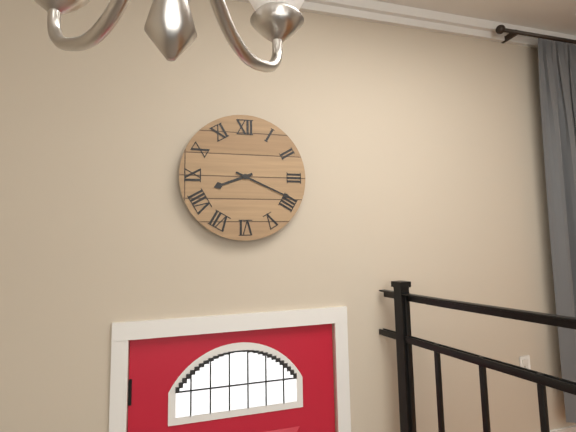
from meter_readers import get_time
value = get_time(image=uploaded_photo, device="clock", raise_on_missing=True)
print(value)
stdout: 8:19
